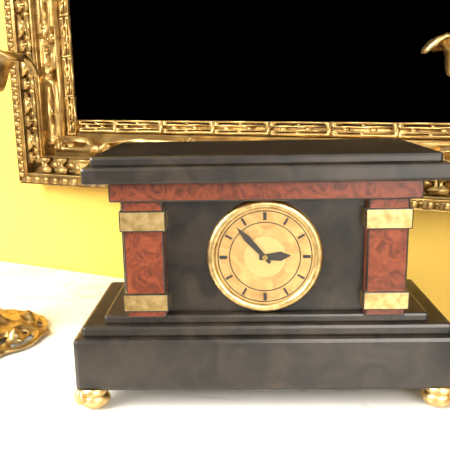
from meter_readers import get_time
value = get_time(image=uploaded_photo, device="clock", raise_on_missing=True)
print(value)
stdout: 2:53
